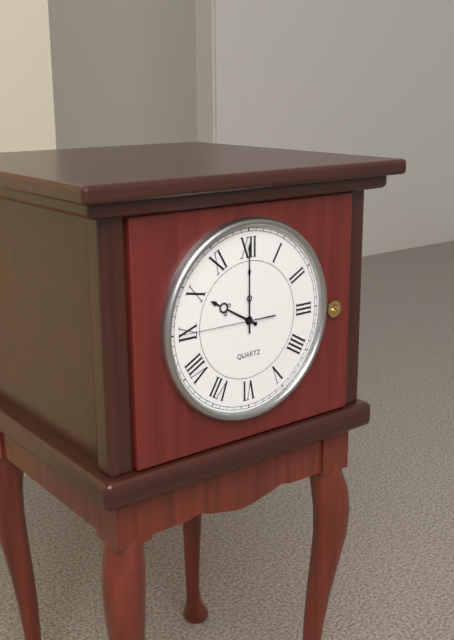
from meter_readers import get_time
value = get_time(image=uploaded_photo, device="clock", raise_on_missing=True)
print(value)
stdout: 10:00:45
